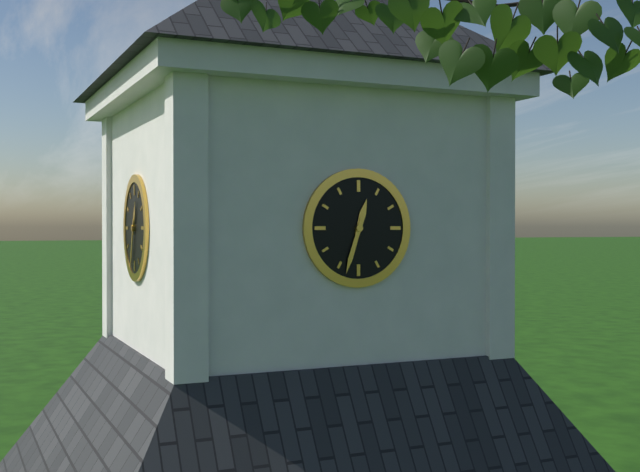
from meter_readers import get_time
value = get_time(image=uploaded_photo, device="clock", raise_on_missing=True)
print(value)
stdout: 12:33
